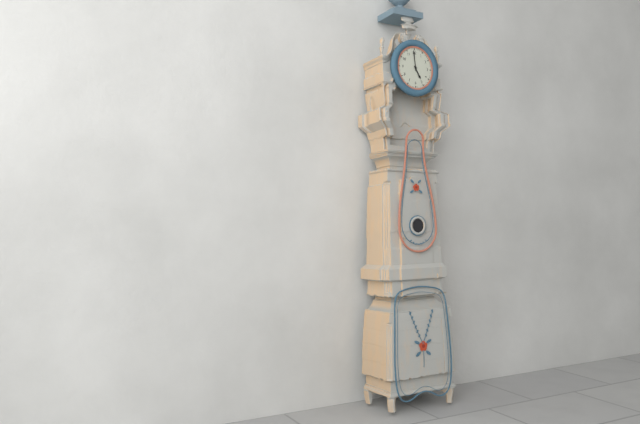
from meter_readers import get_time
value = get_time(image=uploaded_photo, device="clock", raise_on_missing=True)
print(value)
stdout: 4:59
